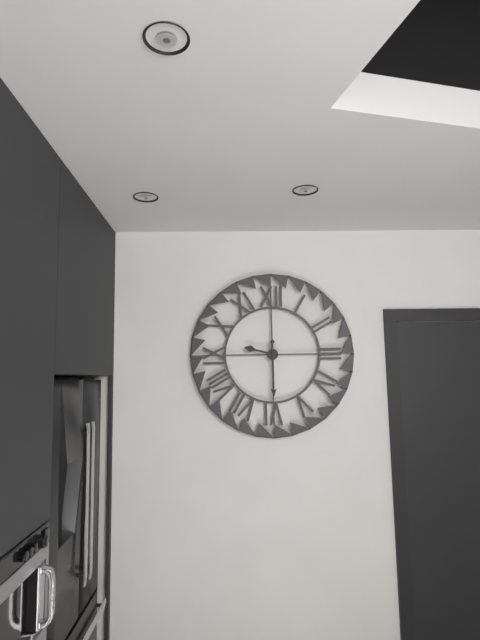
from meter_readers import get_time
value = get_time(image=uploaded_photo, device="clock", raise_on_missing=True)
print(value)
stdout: 9:30
